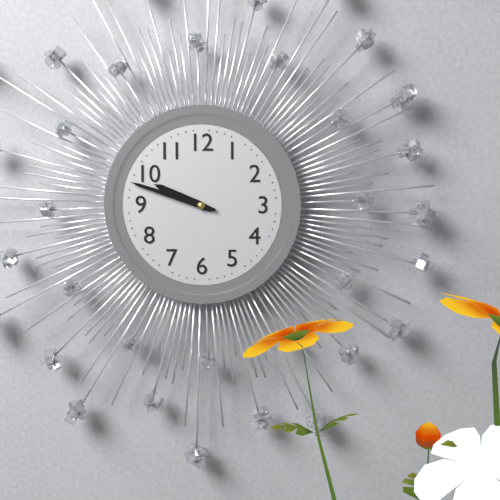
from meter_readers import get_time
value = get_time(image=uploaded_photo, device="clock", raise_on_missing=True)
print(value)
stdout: 9:48
